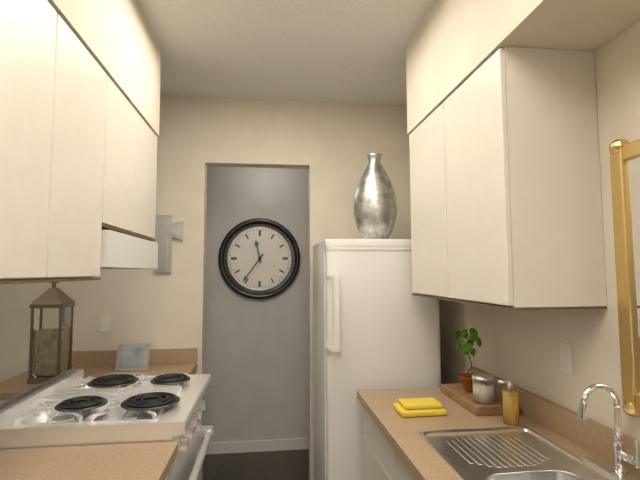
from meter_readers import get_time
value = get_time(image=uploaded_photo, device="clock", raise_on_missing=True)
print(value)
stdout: 11:36
